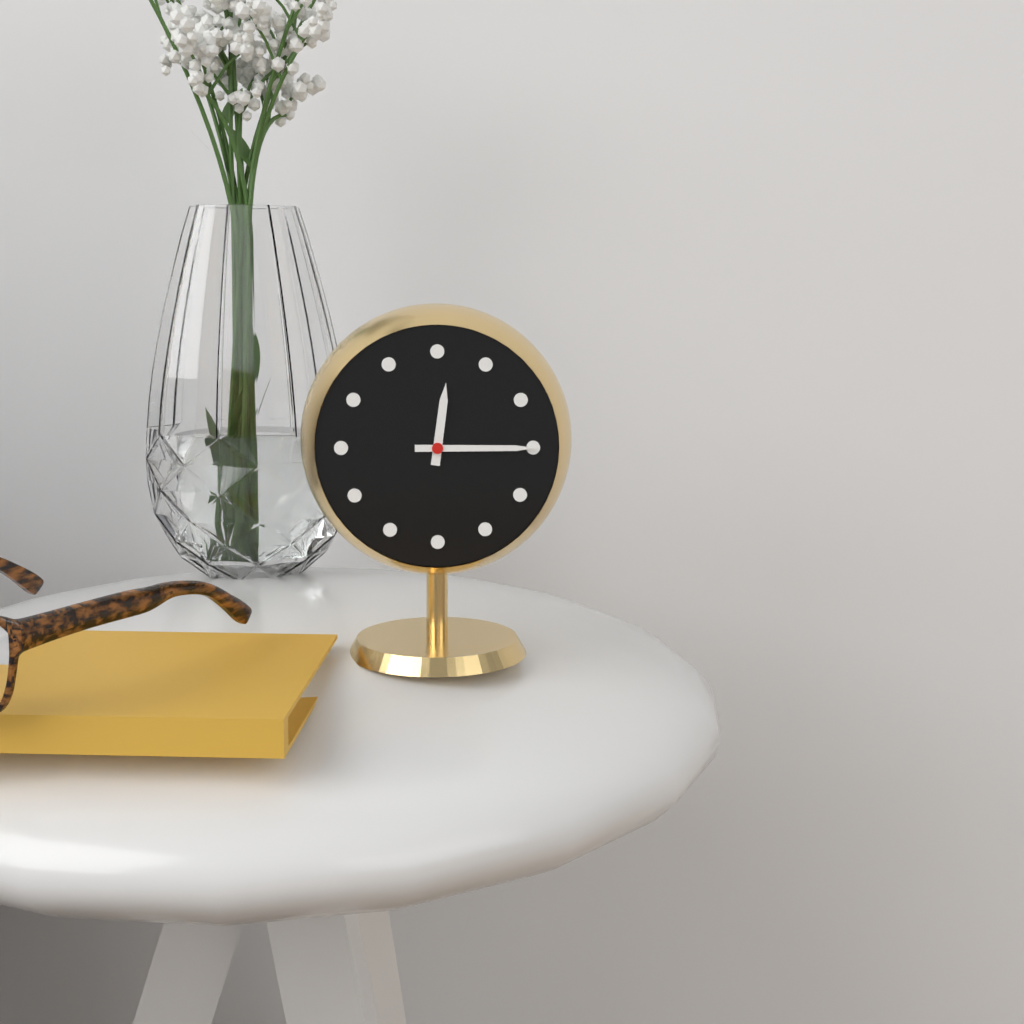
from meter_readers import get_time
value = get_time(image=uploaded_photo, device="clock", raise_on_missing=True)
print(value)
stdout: 12:15
